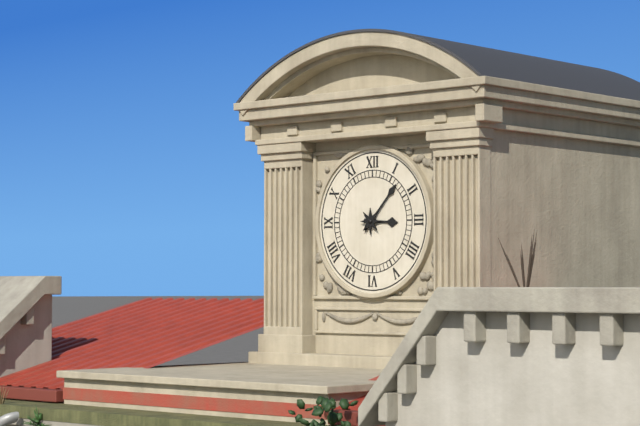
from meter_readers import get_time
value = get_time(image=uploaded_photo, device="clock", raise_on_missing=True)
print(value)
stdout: 3:07
